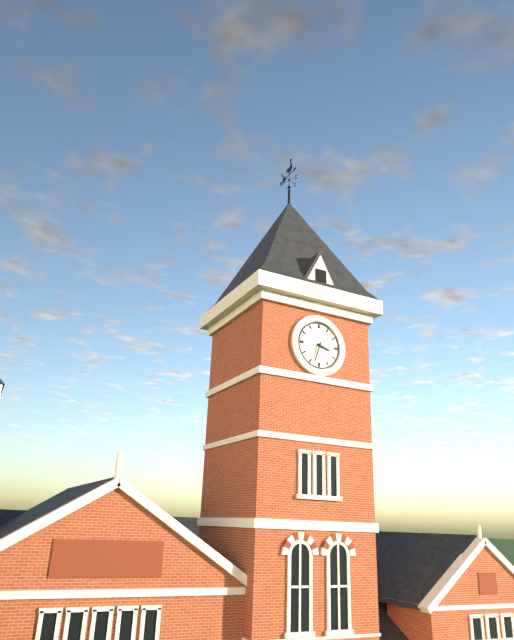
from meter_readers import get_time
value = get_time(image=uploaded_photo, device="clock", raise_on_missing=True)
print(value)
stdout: 3:33
